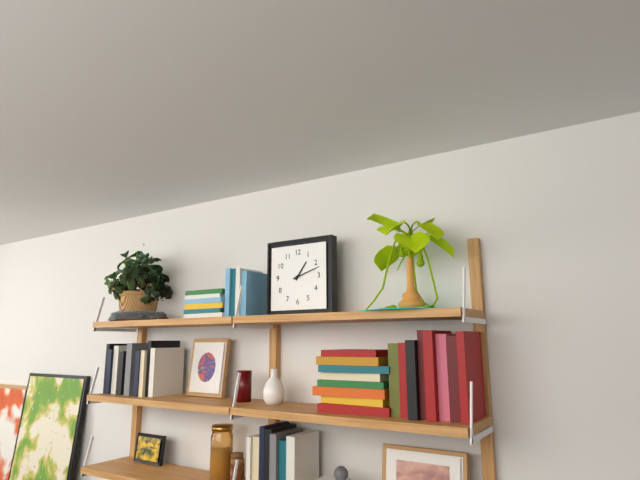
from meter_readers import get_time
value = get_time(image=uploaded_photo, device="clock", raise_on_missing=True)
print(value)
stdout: 1:12
